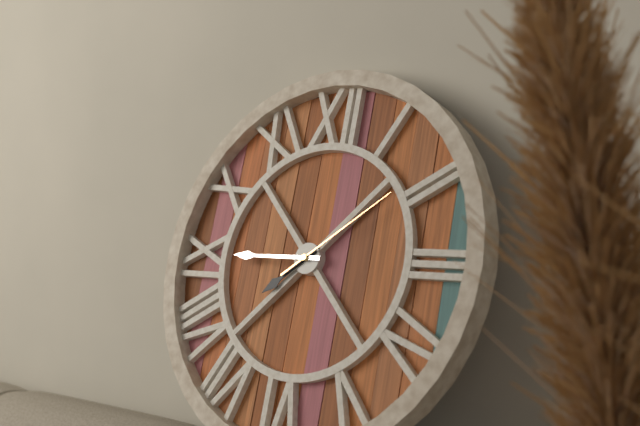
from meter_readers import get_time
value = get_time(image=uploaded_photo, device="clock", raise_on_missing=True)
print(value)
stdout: 7:45:09
